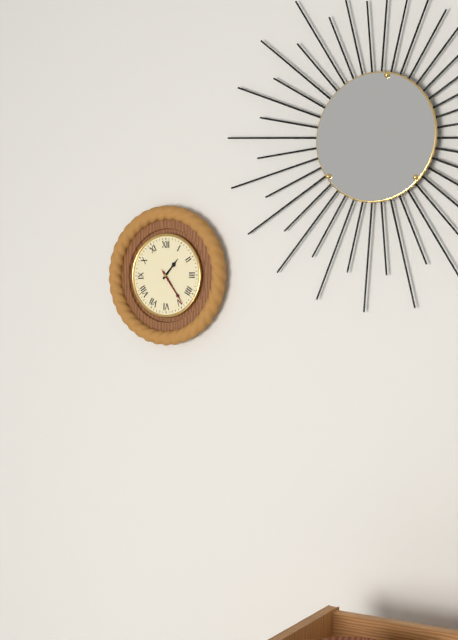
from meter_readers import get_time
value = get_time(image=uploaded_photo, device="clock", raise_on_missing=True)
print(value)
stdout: 1:24
